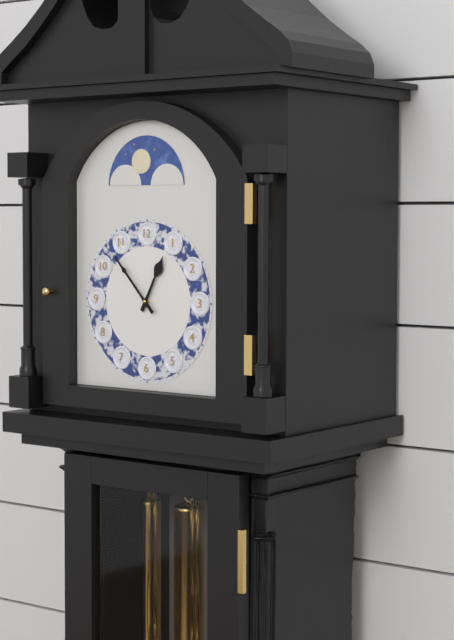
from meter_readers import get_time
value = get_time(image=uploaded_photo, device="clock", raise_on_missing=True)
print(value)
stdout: 12:53
